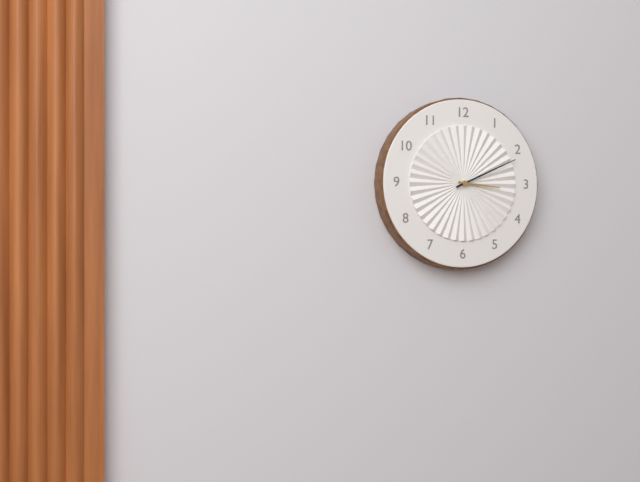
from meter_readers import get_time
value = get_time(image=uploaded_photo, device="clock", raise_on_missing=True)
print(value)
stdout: 3:11
